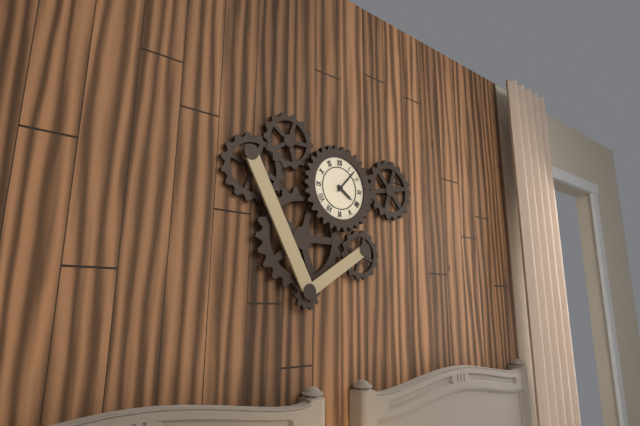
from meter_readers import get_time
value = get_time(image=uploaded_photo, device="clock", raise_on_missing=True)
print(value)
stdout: 4:07
